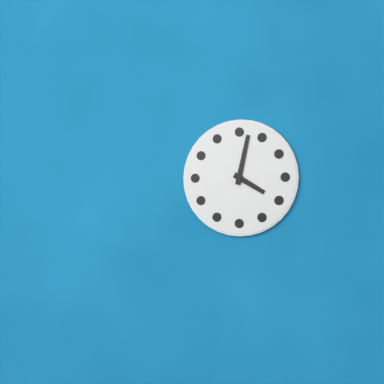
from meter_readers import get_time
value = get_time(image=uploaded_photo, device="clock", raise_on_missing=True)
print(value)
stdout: 4:02
